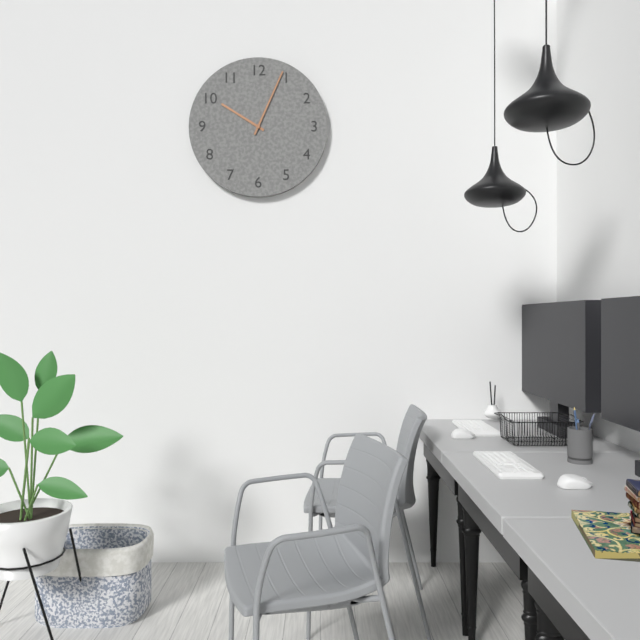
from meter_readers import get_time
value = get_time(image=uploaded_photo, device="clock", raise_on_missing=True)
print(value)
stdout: 10:04
